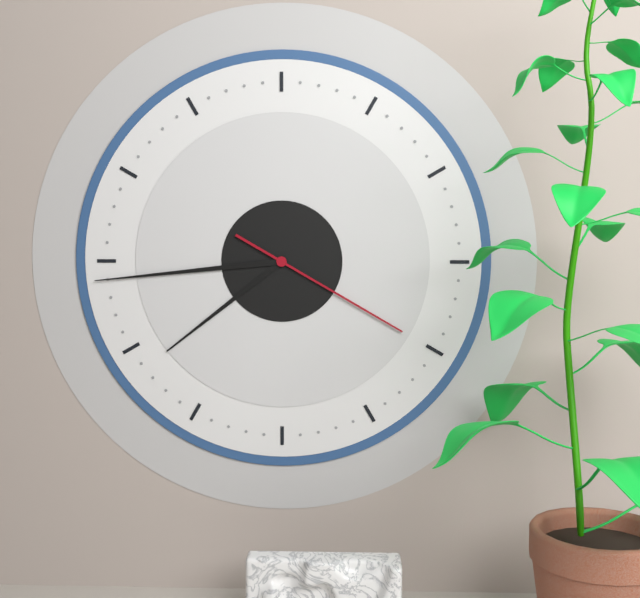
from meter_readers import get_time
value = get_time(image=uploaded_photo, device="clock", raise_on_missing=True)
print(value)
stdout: 7:44:20
